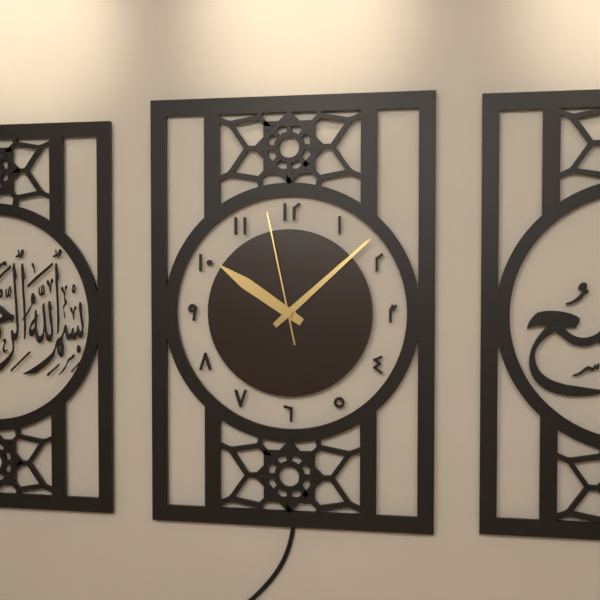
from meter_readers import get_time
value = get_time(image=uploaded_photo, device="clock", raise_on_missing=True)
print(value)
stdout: 10:08:58
